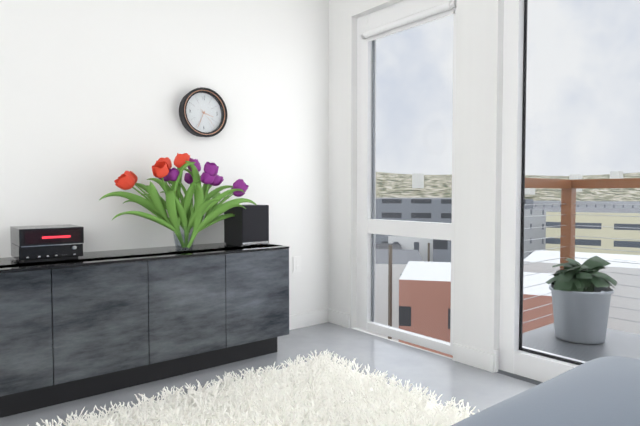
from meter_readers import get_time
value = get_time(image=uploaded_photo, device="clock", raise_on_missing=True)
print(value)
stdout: 3:34
